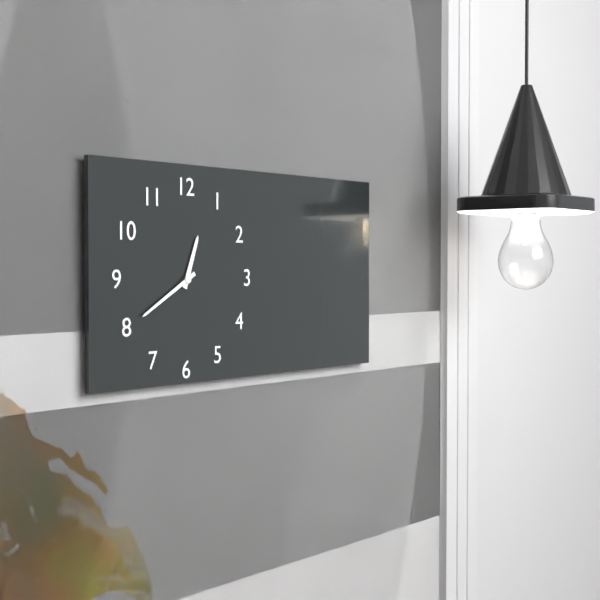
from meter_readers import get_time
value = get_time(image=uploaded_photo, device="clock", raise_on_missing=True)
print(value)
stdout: 12:40
